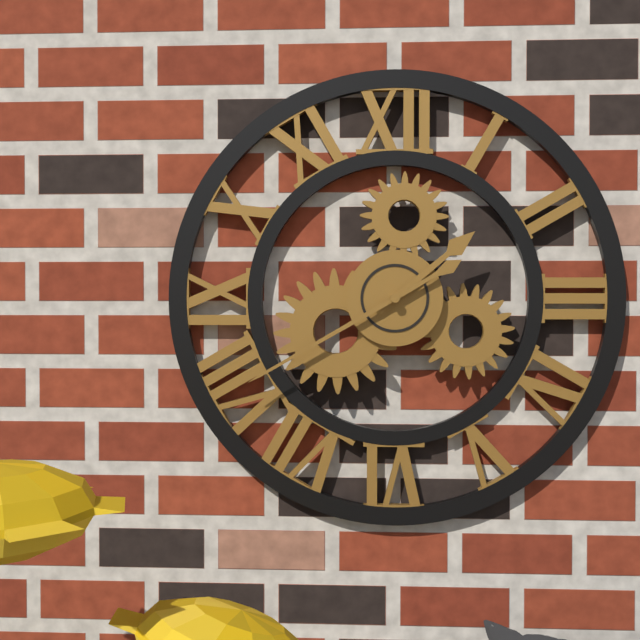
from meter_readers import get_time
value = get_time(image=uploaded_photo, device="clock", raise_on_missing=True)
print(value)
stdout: 1:40
